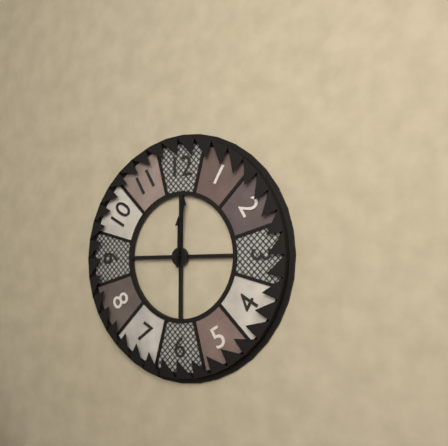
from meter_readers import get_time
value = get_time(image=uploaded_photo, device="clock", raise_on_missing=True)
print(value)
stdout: 12:01
